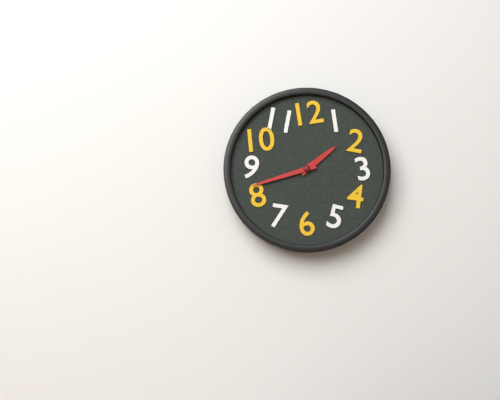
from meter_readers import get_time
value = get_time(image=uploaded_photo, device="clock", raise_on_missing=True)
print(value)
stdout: 1:42
